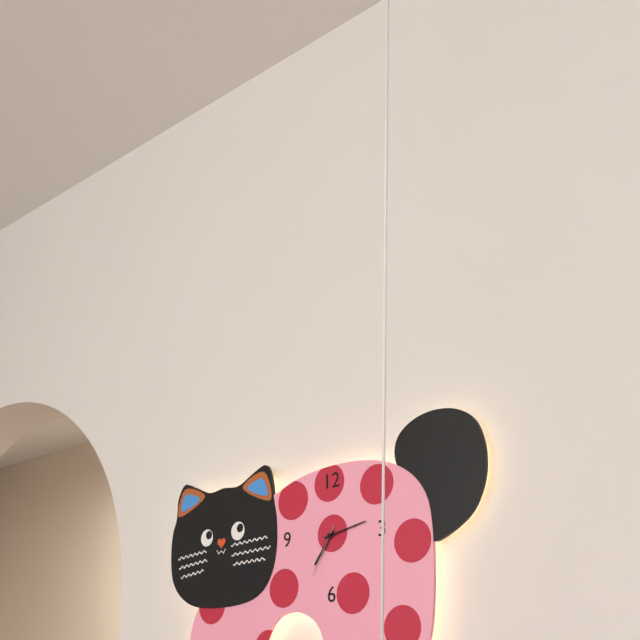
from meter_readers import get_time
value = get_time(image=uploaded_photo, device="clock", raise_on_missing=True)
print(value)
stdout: 7:13:35
